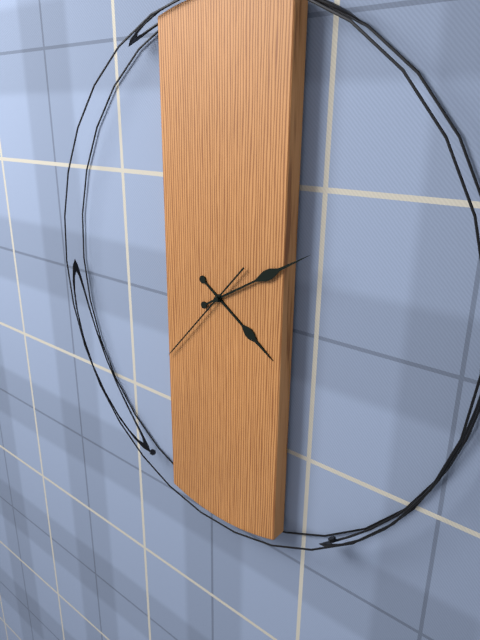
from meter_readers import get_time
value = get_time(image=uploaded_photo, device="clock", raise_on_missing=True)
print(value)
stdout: 4:10:37
